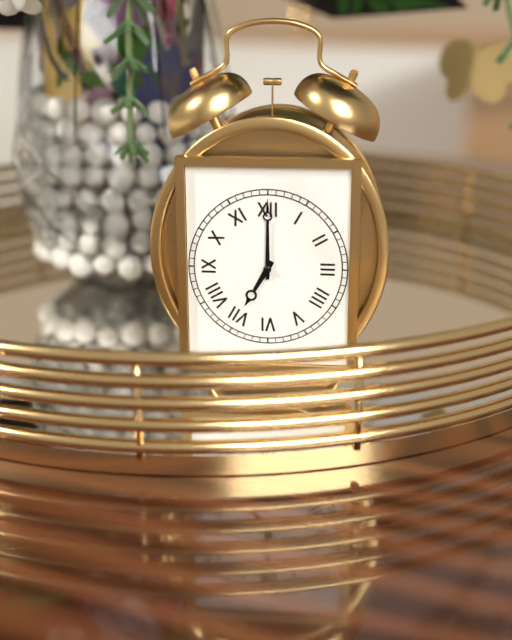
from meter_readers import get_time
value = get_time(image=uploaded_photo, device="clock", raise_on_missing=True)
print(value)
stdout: 7:00
